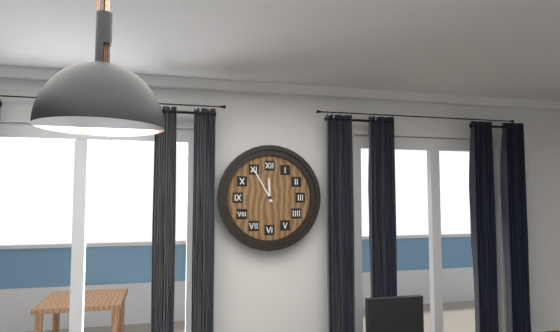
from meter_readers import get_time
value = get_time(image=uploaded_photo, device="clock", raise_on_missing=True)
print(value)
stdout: 11:55
